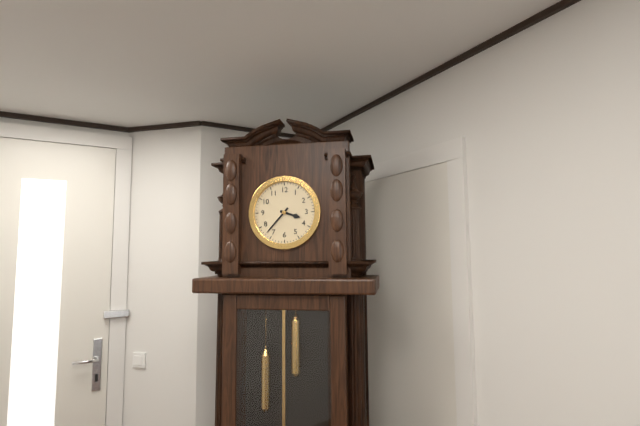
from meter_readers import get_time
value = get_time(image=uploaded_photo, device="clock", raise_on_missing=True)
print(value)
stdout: 3:37
